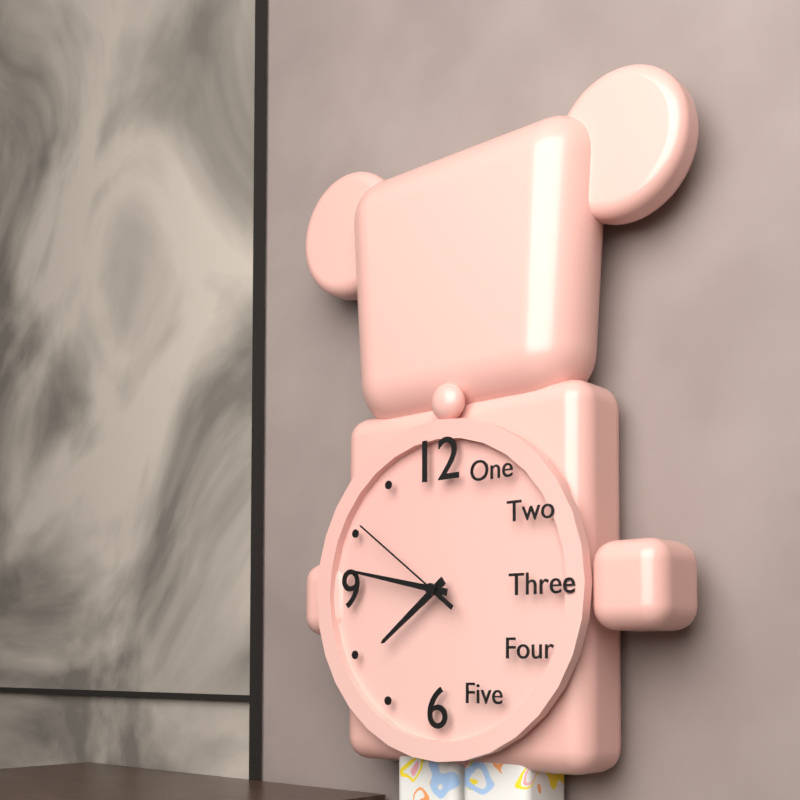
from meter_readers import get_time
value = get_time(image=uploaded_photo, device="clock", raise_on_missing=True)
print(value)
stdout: 7:47:51
